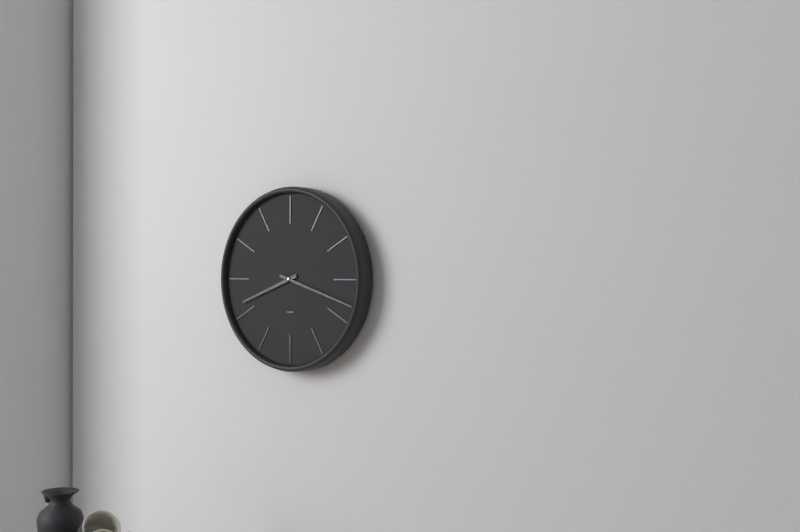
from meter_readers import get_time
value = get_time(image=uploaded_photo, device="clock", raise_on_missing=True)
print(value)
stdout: 8:18
